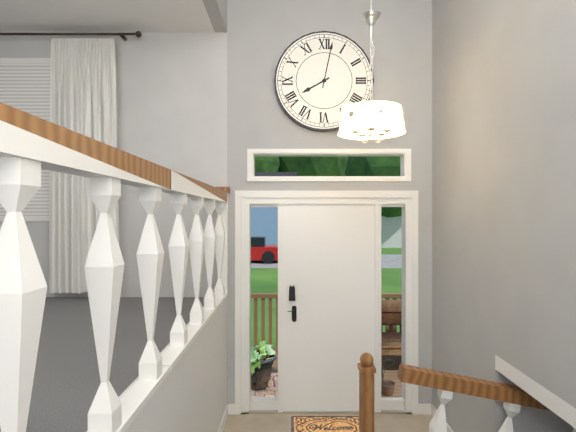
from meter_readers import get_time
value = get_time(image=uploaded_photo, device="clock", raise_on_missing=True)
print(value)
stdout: 8:02
